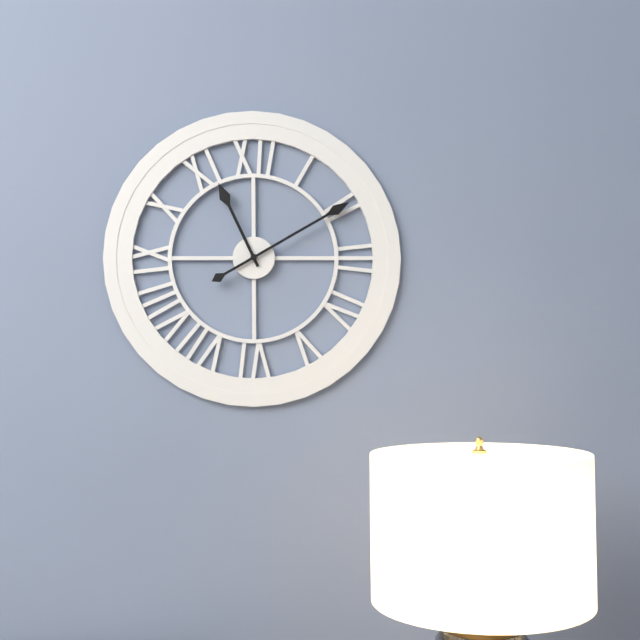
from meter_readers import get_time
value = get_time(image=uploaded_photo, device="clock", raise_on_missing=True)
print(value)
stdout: 11:10
